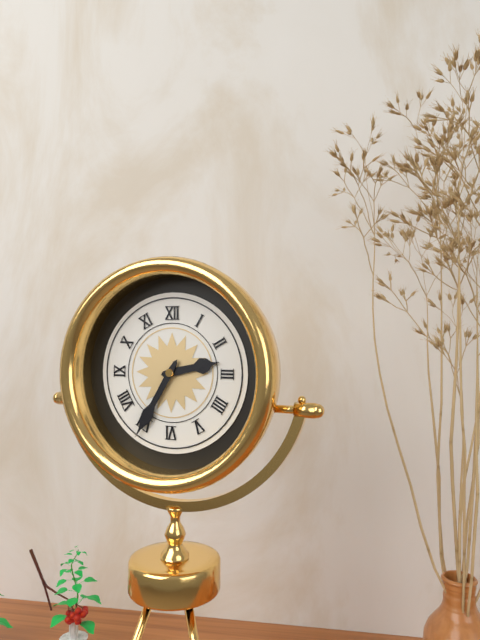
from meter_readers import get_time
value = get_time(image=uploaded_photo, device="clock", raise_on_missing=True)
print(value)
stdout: 2:35
